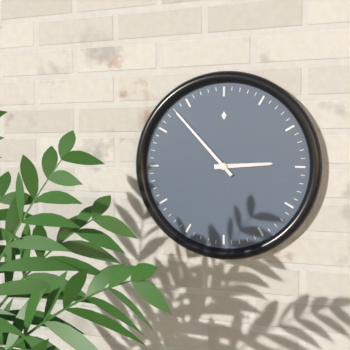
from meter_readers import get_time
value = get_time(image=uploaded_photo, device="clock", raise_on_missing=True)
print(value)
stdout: 2:53
